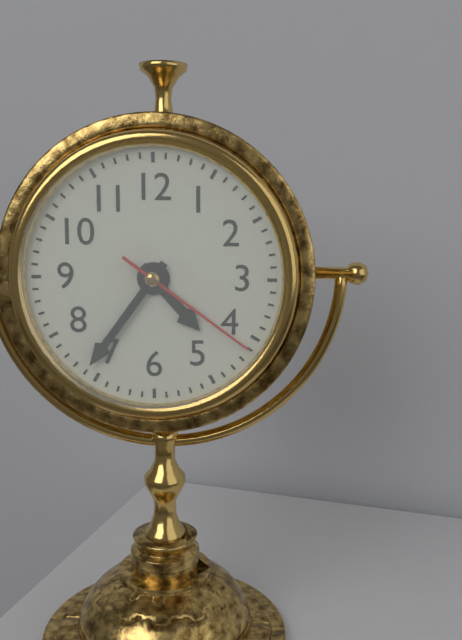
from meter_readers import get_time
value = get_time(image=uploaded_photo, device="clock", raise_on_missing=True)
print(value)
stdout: 4:36:21
